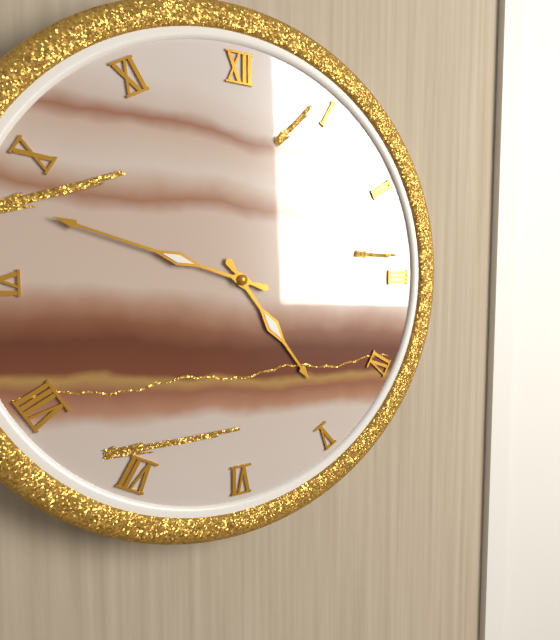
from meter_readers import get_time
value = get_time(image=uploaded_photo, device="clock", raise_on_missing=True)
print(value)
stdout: 4:48
